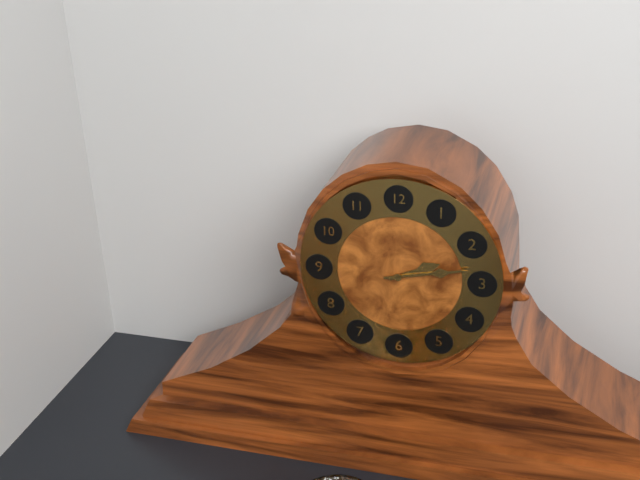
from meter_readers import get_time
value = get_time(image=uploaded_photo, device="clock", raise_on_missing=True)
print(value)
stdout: 2:13
